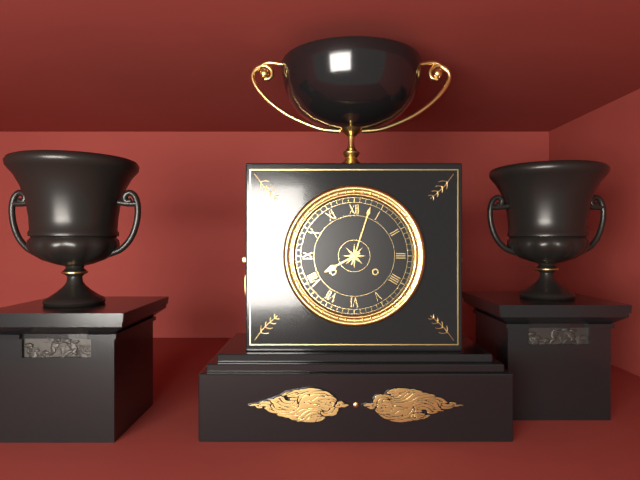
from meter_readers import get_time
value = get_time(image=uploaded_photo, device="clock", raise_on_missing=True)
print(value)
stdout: 8:03
